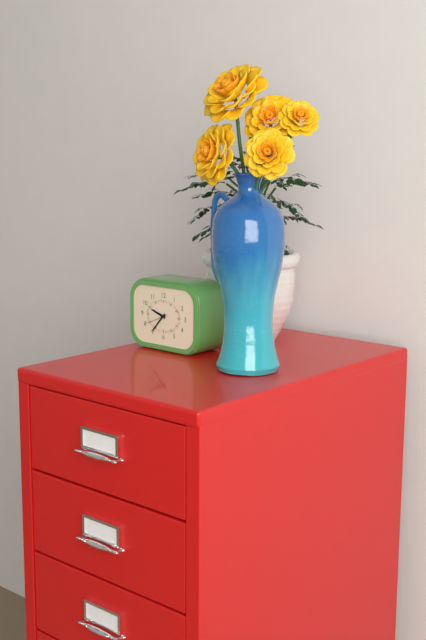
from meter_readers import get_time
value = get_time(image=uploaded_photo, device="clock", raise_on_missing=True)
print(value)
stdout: 9:37
